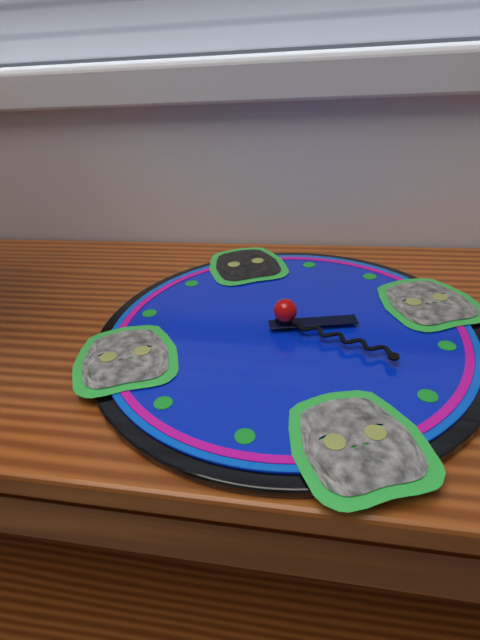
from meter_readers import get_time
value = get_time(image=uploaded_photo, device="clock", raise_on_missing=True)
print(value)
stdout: 3:23
